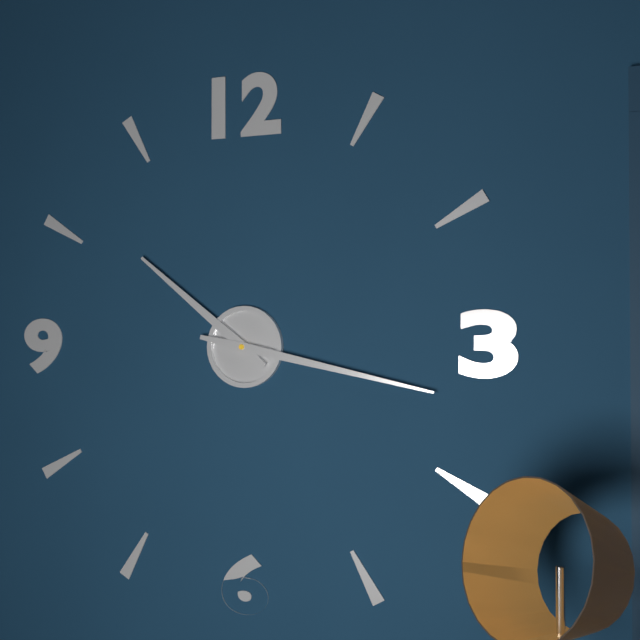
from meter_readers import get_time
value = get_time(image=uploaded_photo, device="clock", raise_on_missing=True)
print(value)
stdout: 10:17
